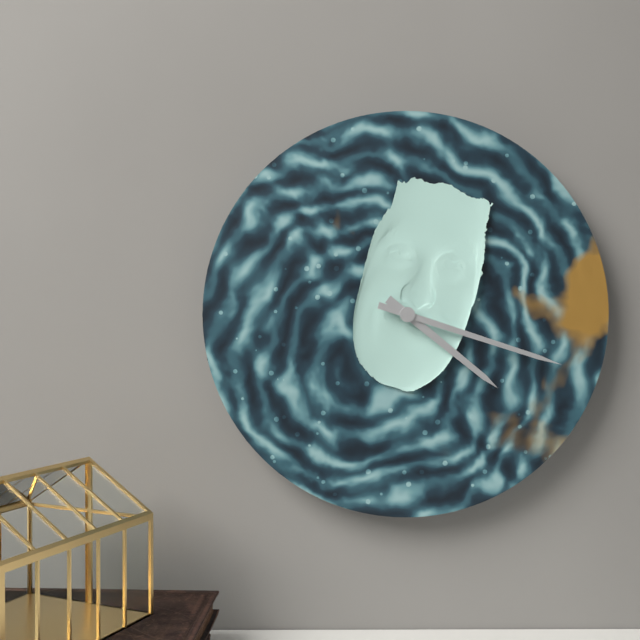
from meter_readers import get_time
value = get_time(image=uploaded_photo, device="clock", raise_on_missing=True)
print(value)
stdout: 4:18
